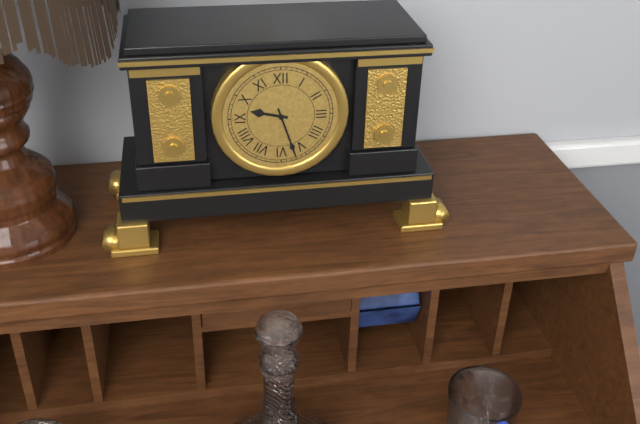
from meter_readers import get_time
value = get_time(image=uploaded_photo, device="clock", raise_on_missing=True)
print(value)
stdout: 9:27
